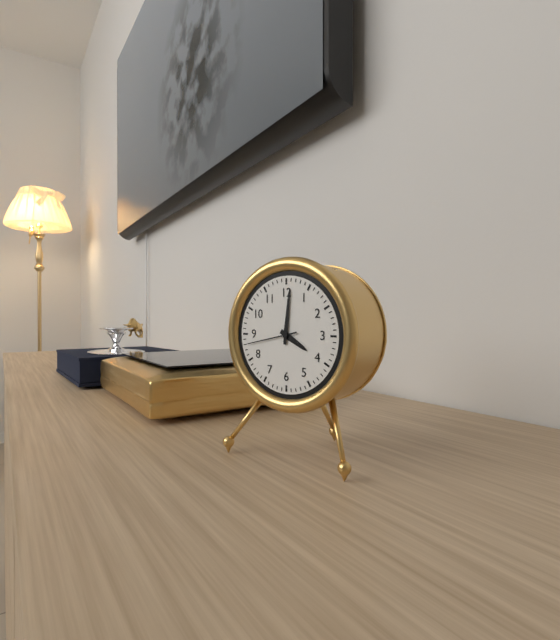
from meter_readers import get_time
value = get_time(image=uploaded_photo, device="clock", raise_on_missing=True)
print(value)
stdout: 4:01
